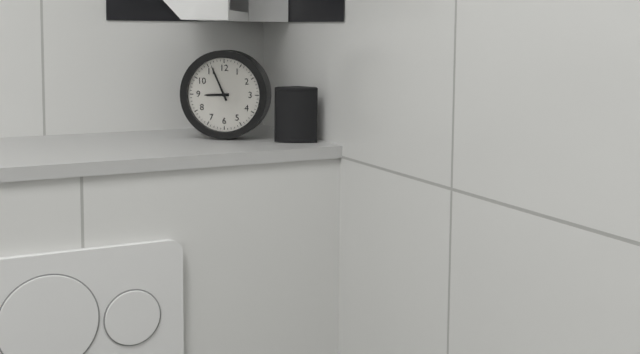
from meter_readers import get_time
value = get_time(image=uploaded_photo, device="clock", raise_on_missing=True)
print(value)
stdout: 8:56
